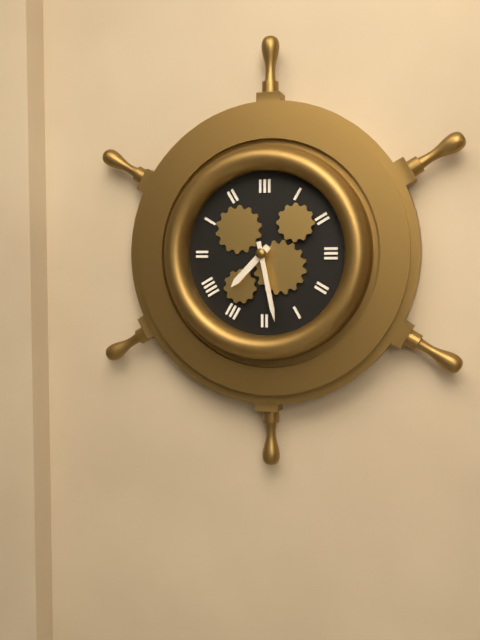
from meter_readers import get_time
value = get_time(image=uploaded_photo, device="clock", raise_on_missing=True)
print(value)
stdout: 7:28
